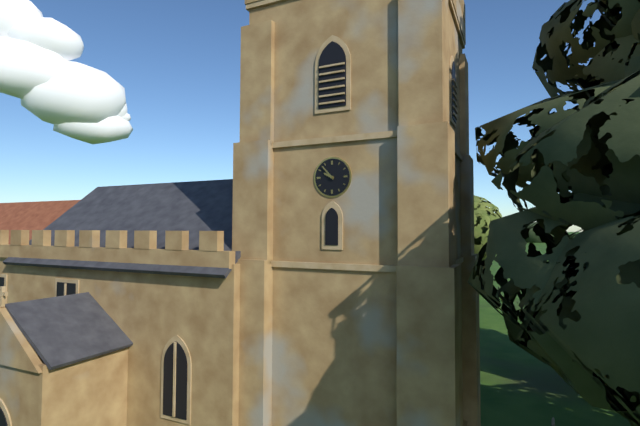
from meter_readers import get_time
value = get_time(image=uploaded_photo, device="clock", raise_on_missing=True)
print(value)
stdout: 9:53
